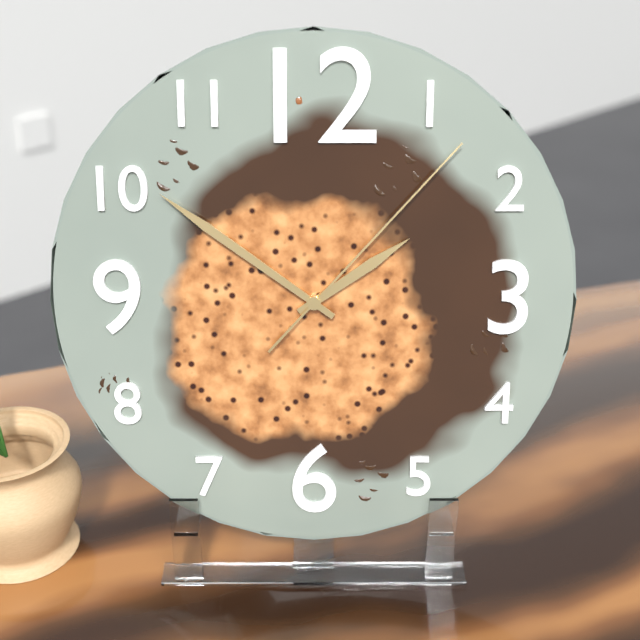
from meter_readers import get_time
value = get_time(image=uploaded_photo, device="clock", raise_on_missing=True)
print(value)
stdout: 1:51:07
